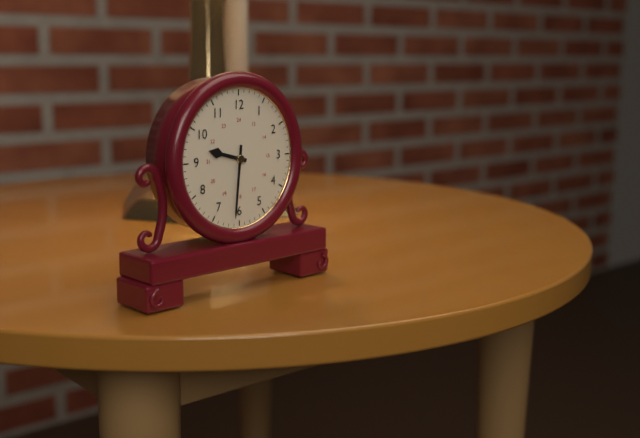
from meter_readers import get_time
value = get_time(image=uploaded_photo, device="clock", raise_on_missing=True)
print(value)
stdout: 9:31
